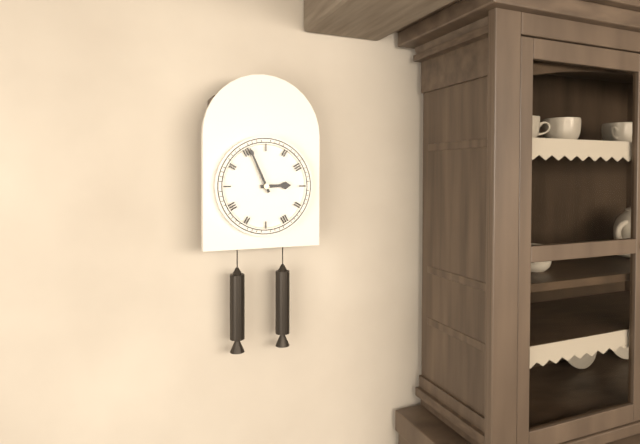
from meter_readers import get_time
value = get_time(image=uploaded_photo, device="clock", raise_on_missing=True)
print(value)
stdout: 2:56
